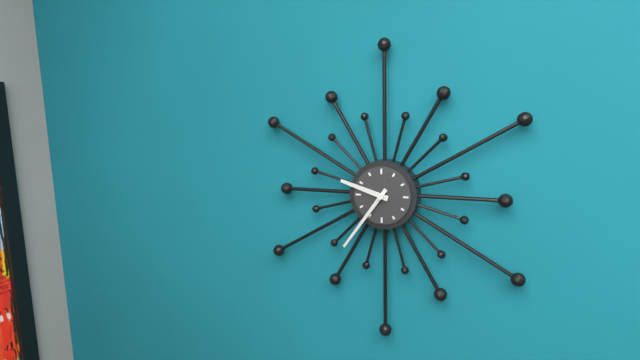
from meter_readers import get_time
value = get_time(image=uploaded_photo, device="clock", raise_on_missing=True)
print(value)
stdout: 9:36
